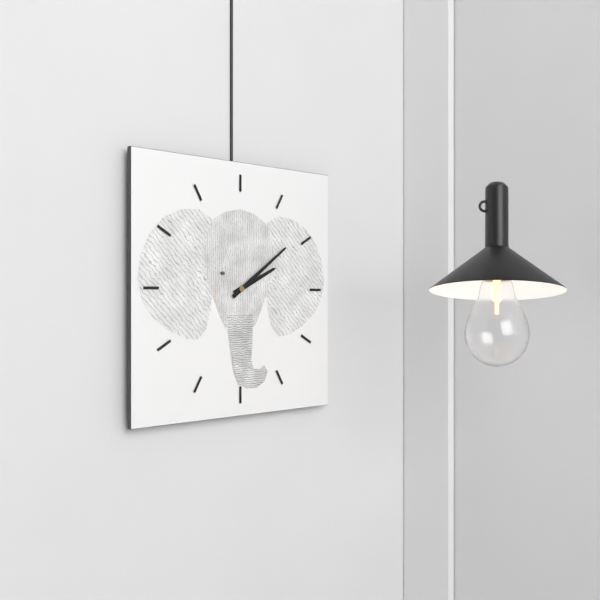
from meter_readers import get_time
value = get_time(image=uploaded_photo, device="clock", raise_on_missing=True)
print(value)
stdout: 2:09
